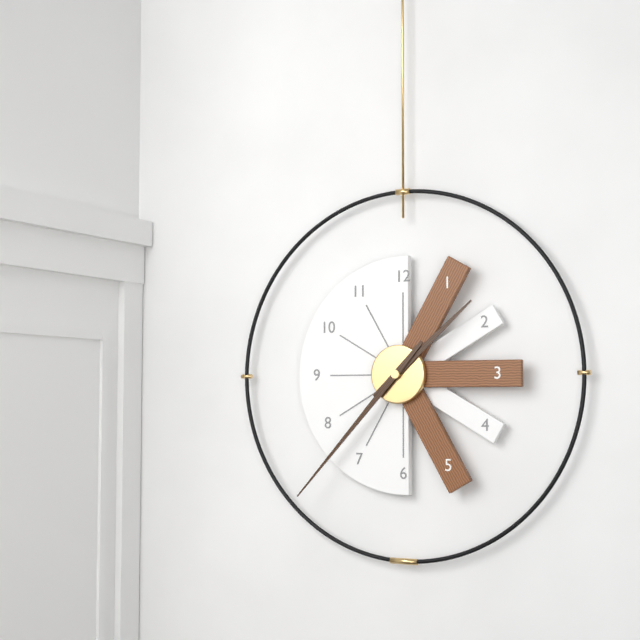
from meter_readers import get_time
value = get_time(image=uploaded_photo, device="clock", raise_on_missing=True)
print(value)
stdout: 1:37
